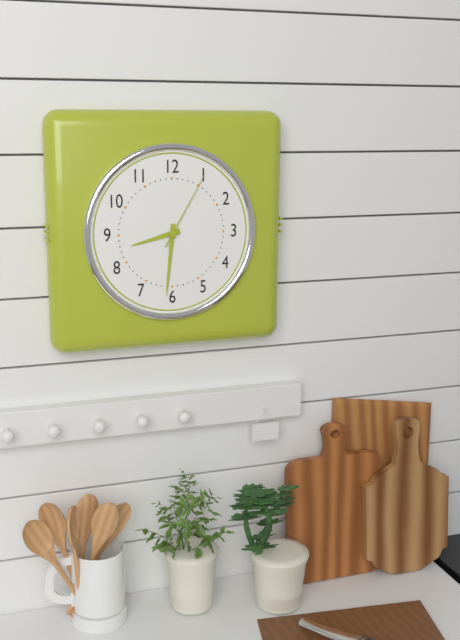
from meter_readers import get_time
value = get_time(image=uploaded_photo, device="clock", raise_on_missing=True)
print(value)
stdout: 8:31:05
